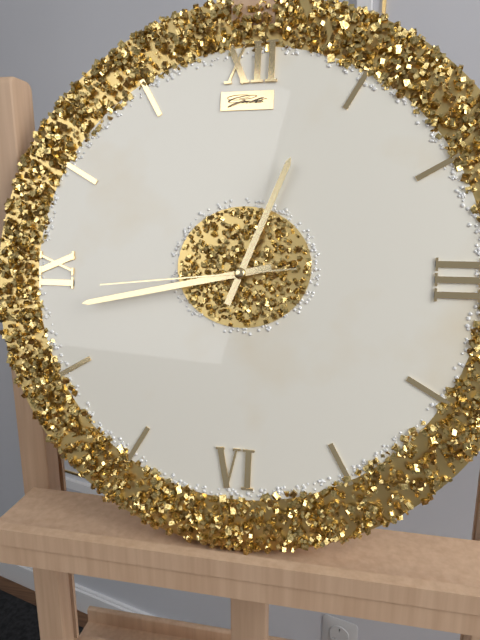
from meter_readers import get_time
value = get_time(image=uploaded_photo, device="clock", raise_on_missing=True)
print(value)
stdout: 12:43:44
